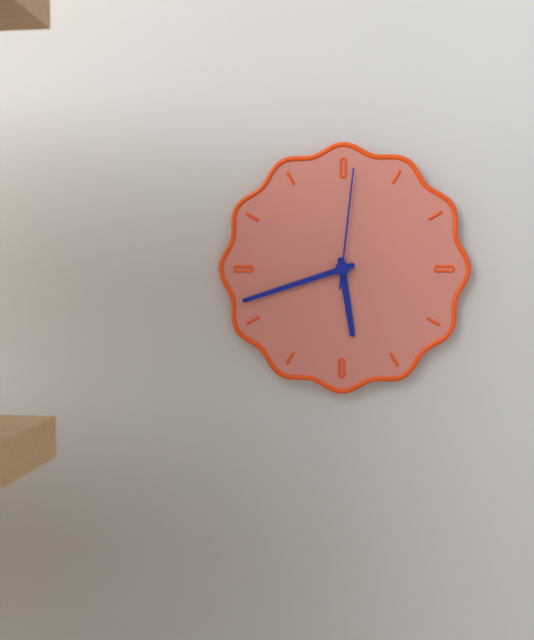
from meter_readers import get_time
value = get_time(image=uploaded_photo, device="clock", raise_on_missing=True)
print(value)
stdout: 5:42:01
